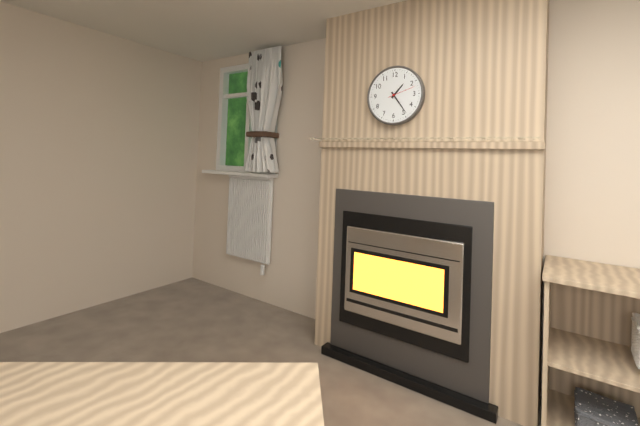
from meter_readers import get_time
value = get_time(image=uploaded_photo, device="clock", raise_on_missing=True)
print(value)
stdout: 1:24
